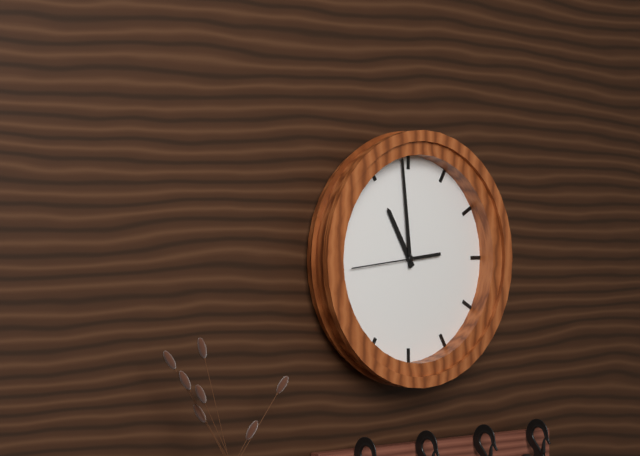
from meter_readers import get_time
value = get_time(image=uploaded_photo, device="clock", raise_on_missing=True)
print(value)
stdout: 10:59:44
